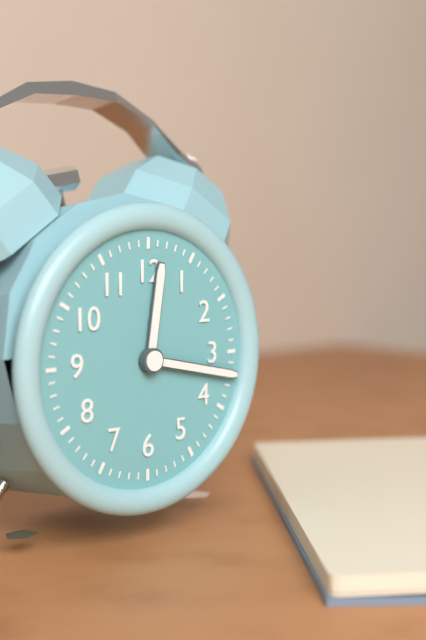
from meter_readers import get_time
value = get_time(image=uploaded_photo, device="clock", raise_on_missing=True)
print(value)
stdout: 12:17
